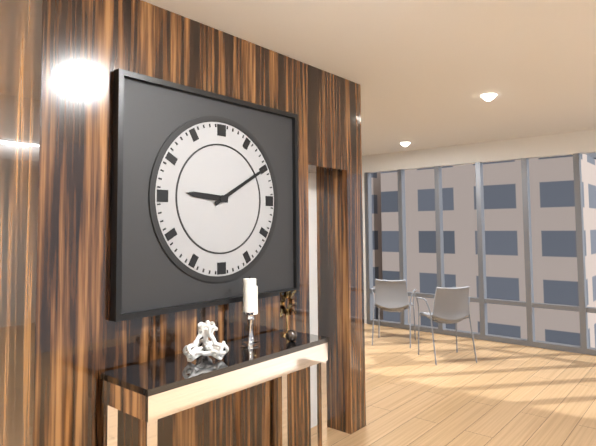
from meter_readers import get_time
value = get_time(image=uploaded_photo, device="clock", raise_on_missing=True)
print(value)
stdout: 9:10
